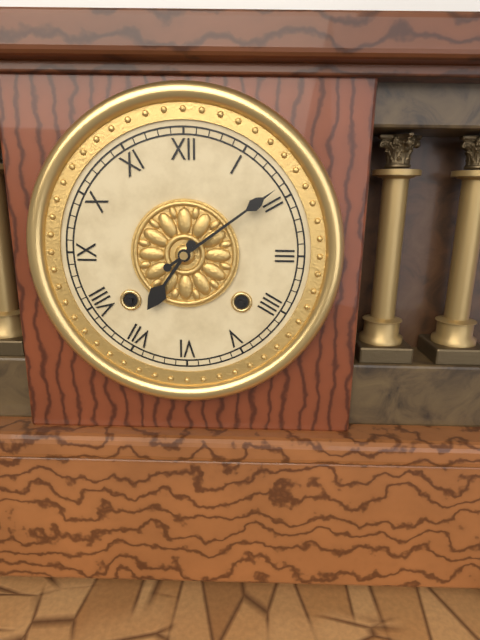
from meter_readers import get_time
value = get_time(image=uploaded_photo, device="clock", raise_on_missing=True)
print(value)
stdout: 7:09
